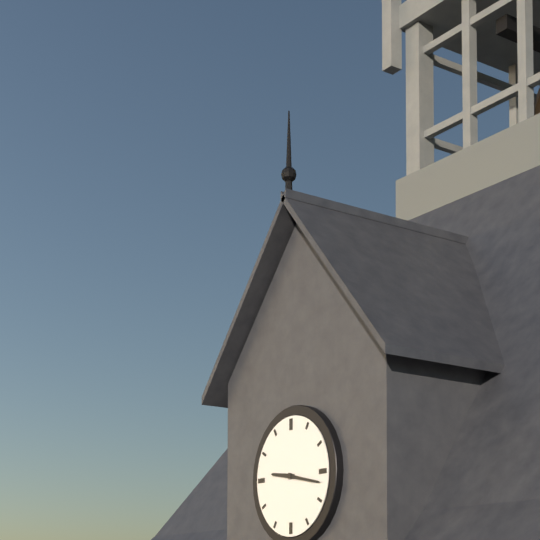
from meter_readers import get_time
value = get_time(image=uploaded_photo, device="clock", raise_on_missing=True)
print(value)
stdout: 9:17
